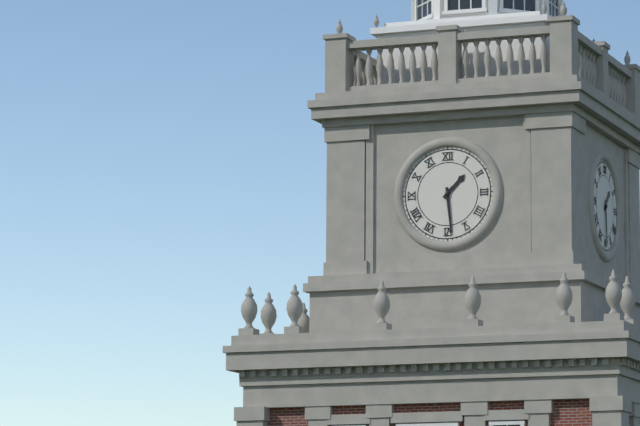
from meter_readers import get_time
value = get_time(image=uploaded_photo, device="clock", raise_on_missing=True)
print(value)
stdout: 1:29
